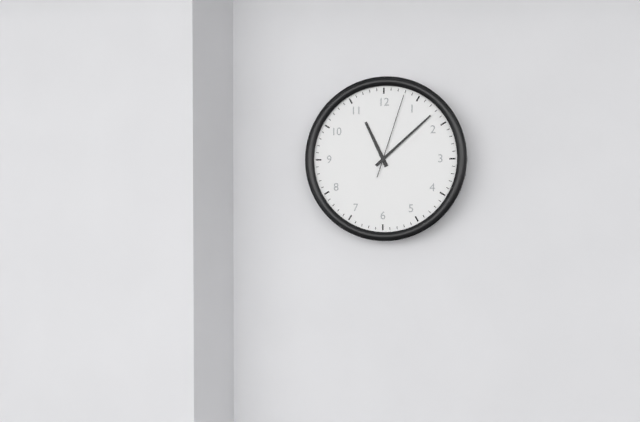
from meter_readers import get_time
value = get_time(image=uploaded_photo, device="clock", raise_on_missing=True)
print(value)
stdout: 11:08:03
